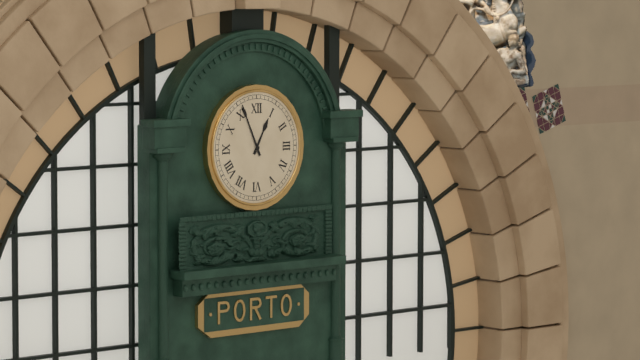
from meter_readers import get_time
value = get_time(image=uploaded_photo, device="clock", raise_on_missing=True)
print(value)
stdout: 12:56
